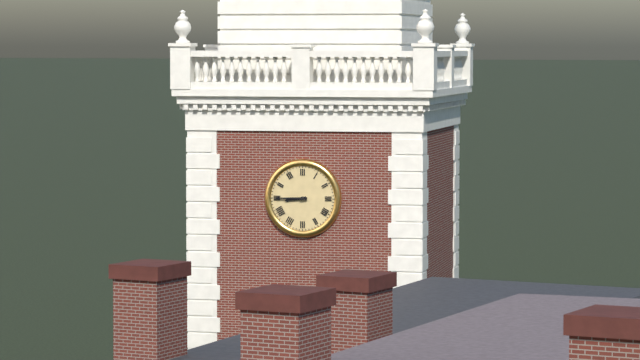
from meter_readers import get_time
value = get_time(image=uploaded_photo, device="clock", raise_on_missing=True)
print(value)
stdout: 8:45
